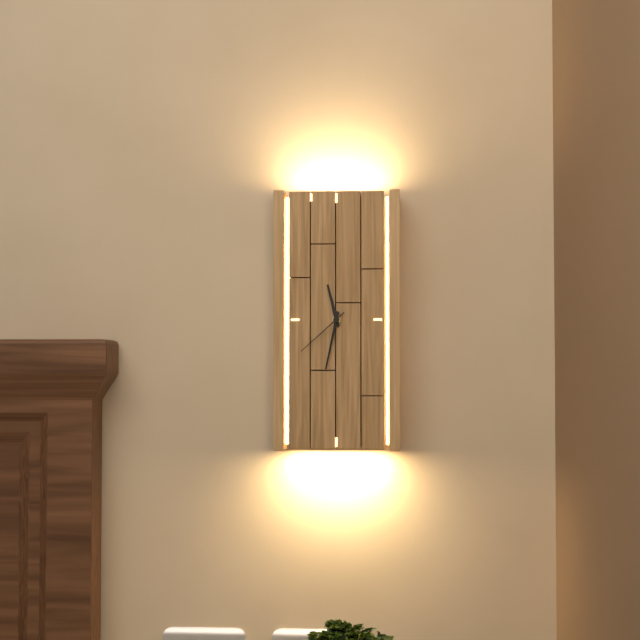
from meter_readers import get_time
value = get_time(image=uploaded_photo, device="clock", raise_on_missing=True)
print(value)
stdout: 11:32:38
